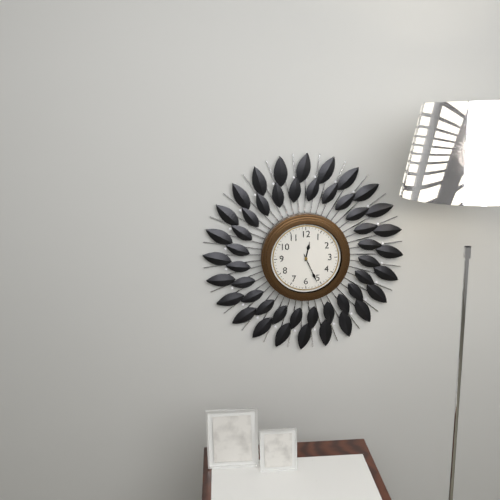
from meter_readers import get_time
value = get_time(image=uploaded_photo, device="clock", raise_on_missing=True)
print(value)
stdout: 12:26
